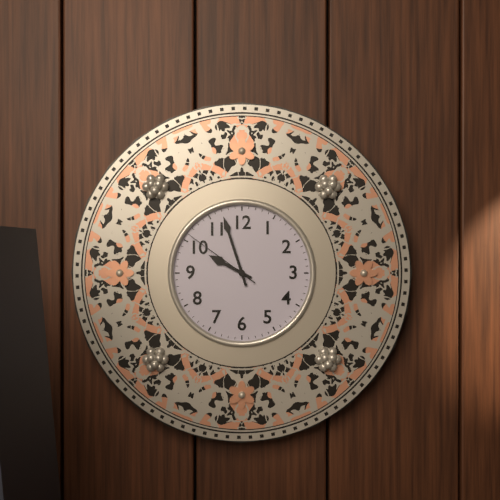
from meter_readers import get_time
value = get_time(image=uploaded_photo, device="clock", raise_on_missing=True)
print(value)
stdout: 9:57:51
